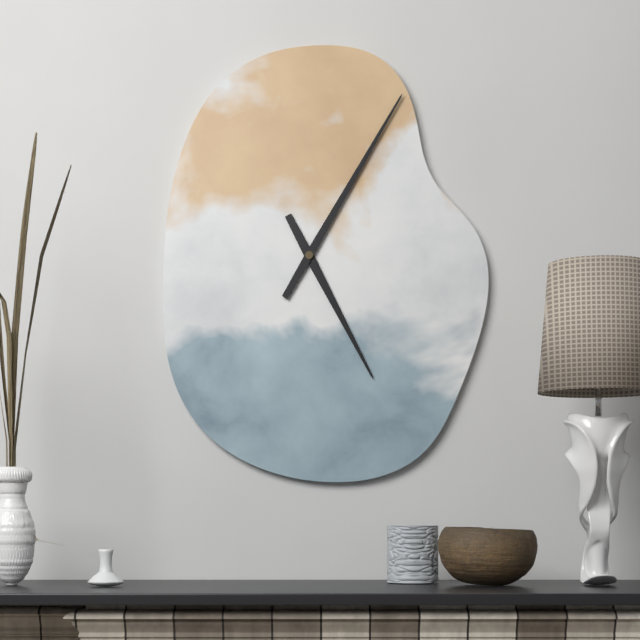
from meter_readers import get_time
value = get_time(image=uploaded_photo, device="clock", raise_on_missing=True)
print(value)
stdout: 5:05
